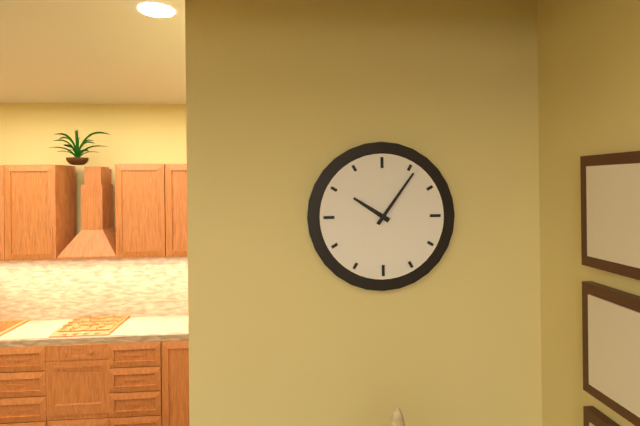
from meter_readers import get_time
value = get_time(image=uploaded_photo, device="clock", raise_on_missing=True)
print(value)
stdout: 10:06
